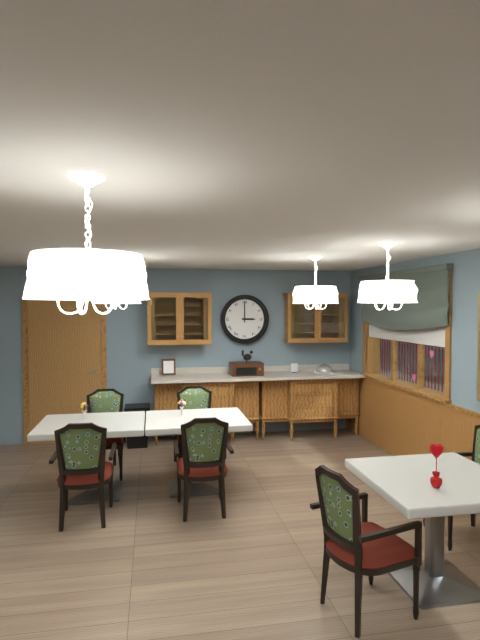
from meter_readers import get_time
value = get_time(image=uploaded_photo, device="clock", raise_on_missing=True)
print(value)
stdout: 3:00
